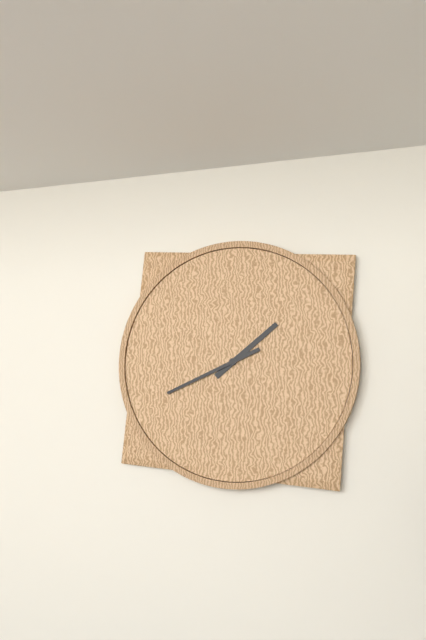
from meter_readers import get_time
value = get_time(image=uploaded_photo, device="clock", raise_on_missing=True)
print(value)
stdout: 1:41
